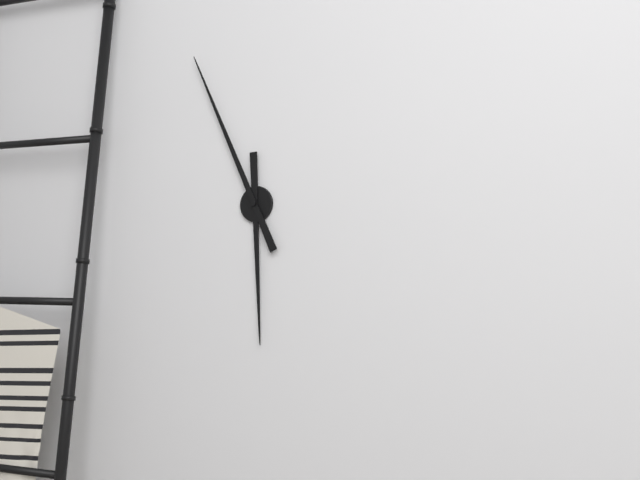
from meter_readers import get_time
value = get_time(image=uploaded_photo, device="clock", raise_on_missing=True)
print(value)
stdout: 5:56
